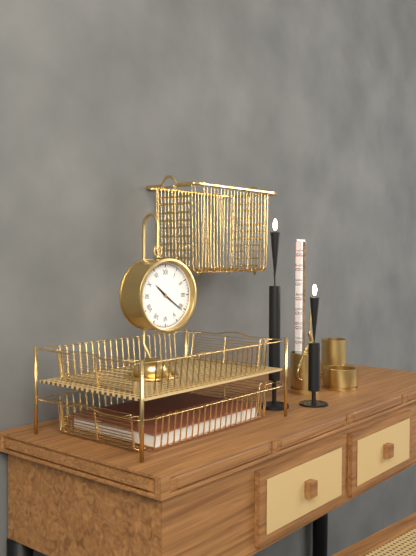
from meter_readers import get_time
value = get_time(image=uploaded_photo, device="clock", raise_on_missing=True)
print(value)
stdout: 10:21
